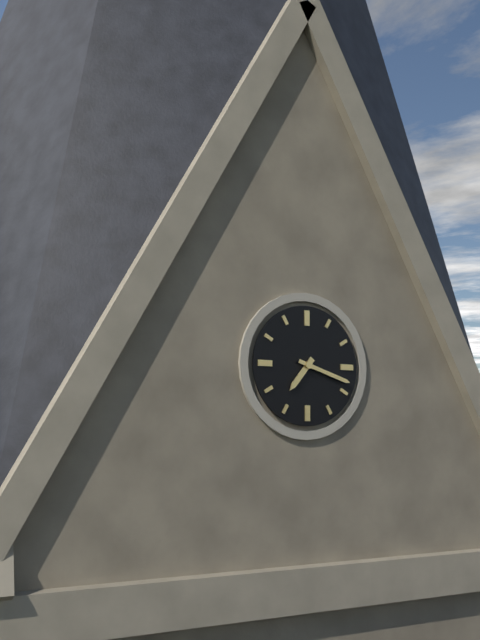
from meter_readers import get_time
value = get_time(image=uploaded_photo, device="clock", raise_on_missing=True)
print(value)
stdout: 7:18
